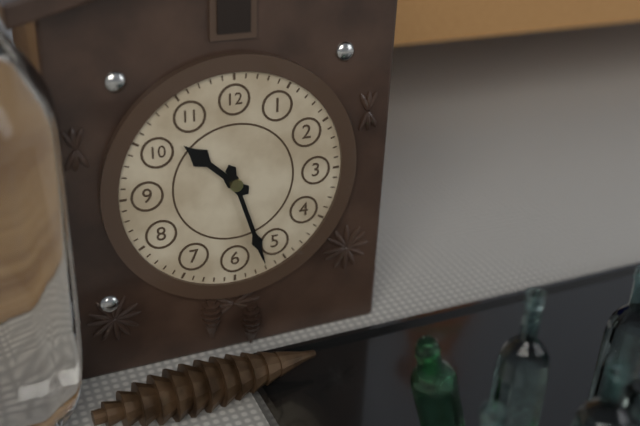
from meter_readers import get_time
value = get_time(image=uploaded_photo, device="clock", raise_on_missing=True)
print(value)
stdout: 10:27
